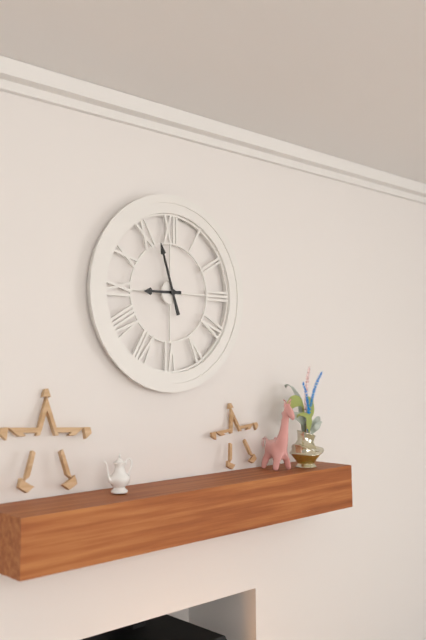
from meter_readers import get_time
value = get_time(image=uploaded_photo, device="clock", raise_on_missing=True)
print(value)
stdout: 8:57
